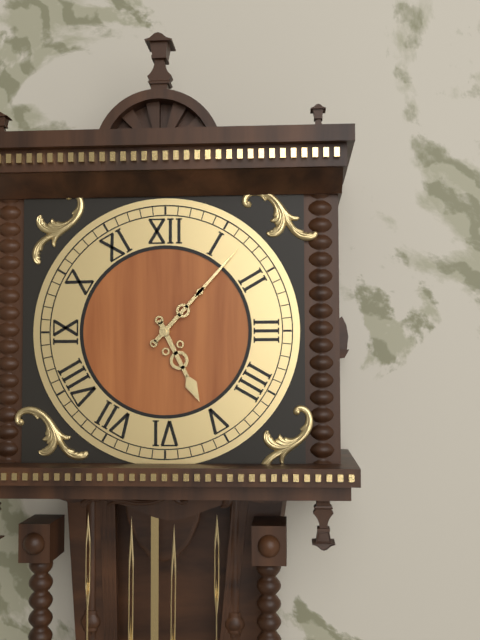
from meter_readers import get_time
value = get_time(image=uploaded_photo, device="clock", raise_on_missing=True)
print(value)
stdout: 5:07
